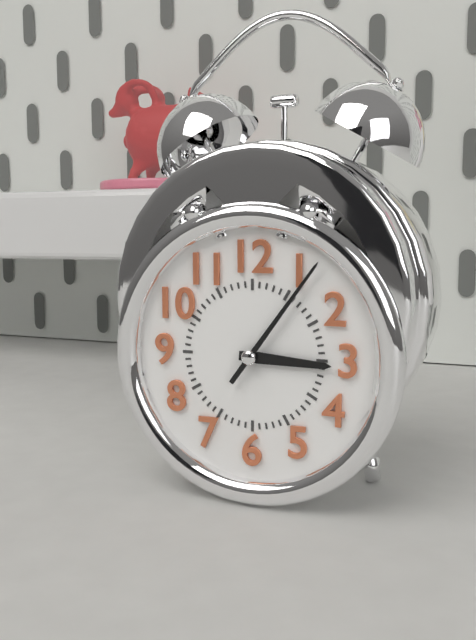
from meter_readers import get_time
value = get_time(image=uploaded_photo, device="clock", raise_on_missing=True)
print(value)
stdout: 3:06
